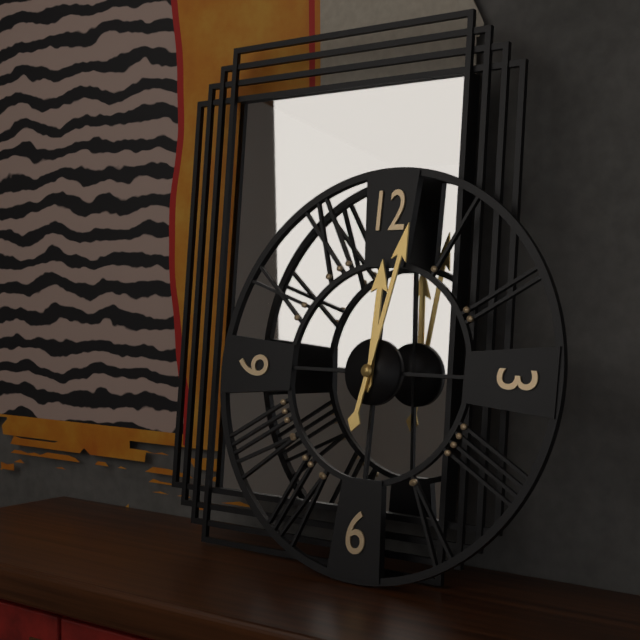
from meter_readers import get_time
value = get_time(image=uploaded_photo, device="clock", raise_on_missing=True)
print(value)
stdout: 12:02
